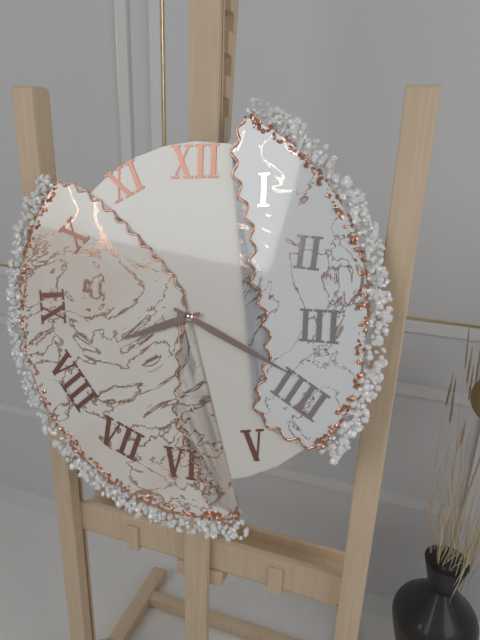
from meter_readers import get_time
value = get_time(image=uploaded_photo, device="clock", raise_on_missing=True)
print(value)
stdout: 8:19
